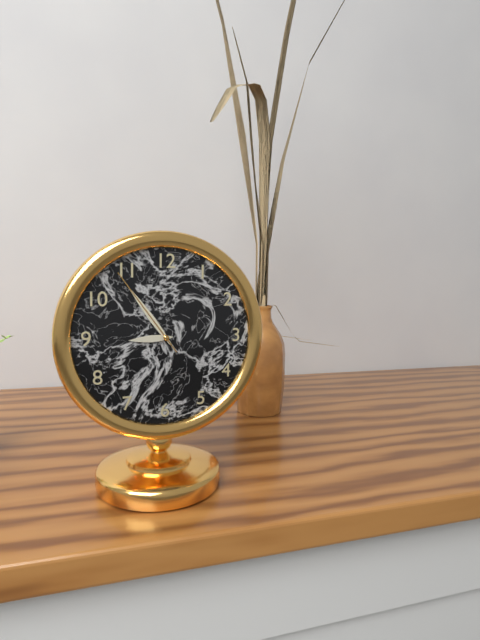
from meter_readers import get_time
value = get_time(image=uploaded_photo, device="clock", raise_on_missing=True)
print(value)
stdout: 8:54:54
